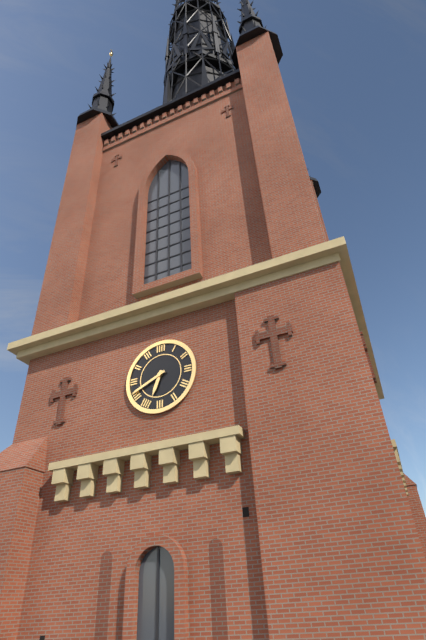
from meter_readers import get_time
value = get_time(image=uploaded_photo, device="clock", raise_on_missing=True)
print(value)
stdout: 6:41
